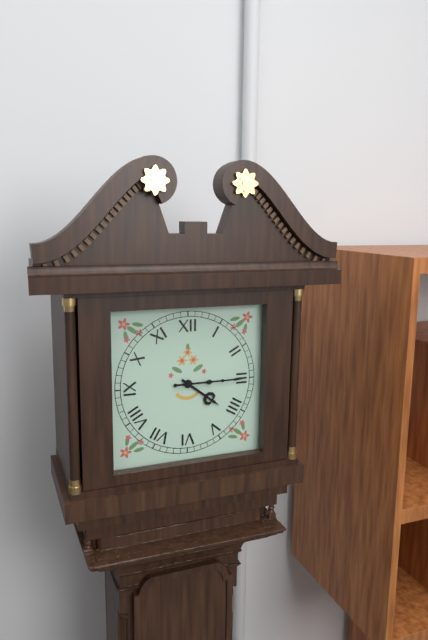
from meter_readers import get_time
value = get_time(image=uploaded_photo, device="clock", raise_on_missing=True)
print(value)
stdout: 4:15
